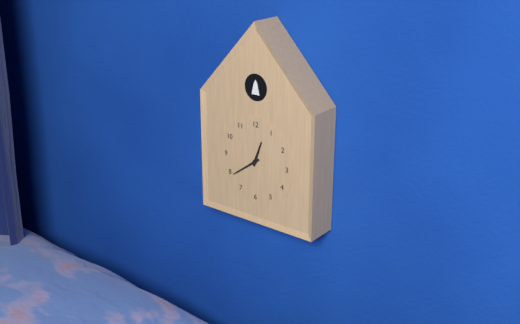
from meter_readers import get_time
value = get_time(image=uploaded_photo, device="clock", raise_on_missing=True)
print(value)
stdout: 12:39
